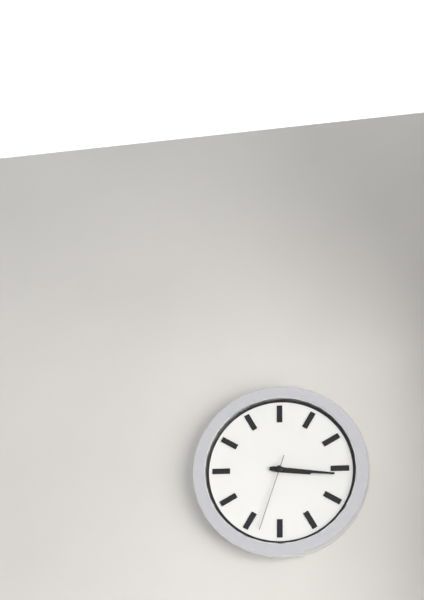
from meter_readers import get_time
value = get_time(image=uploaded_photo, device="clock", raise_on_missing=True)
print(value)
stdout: 3:16:33
